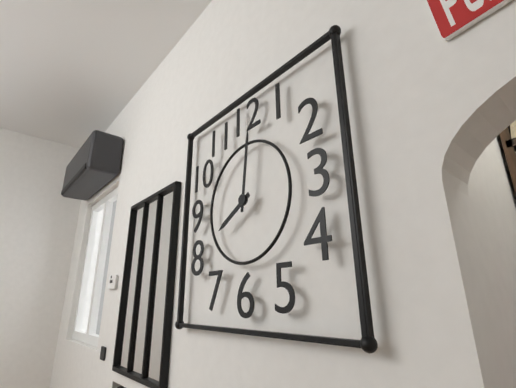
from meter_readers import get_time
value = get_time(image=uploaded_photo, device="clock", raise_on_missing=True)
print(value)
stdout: 8:01
